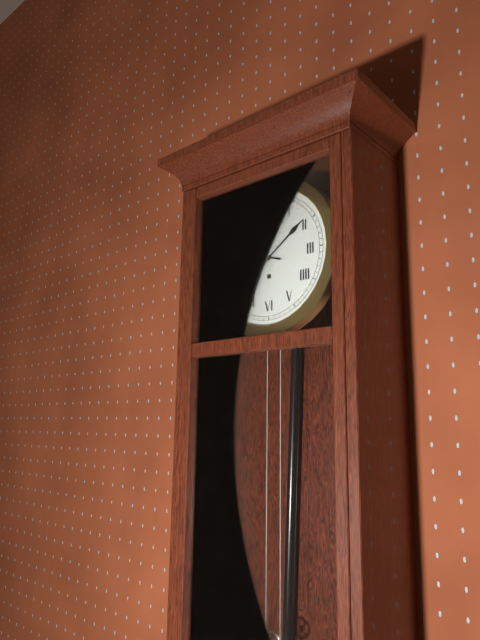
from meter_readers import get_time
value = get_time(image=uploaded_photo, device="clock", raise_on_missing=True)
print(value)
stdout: 1:48
